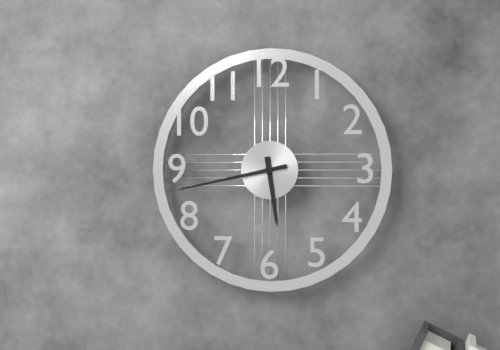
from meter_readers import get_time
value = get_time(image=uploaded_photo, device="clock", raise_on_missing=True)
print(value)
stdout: 5:43
